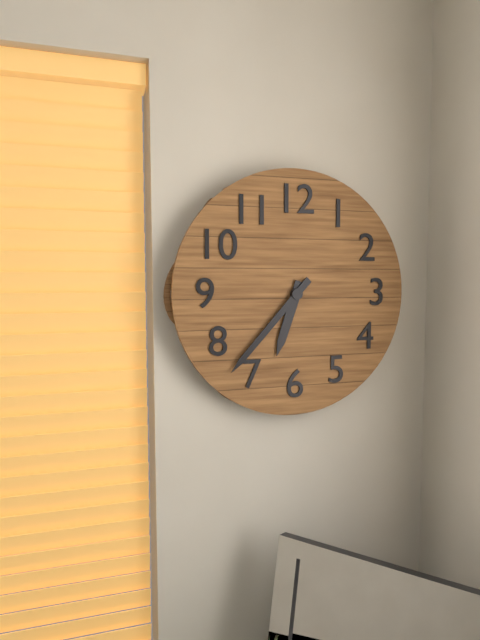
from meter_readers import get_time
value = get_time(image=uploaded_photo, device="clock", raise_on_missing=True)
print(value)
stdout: 6:37
